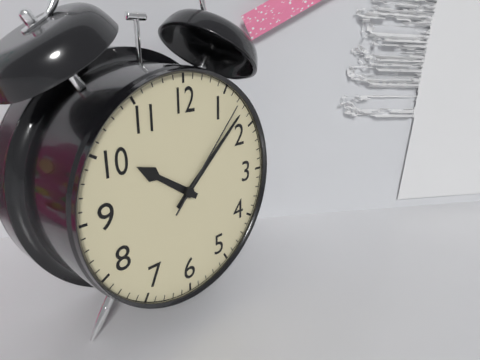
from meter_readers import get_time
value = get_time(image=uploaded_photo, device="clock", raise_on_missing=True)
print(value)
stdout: 10:08:07
